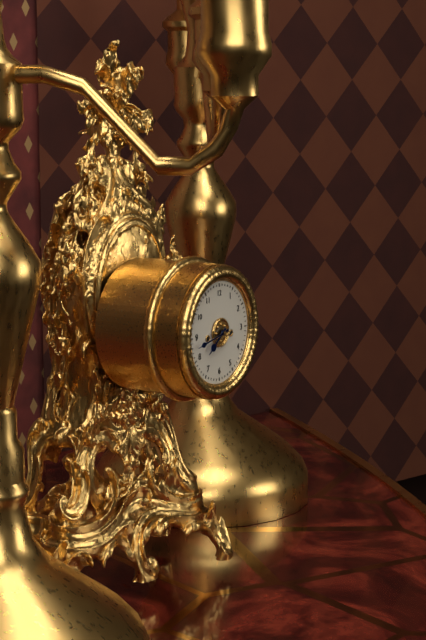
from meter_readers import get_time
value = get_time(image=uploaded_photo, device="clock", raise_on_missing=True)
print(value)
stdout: 7:43
